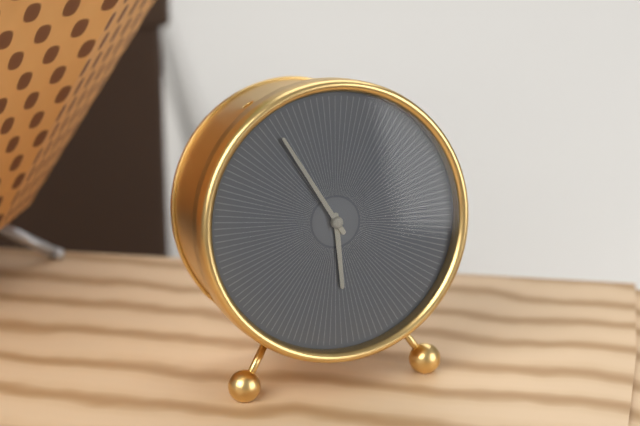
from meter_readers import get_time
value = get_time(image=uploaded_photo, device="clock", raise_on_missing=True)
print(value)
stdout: 5:55
